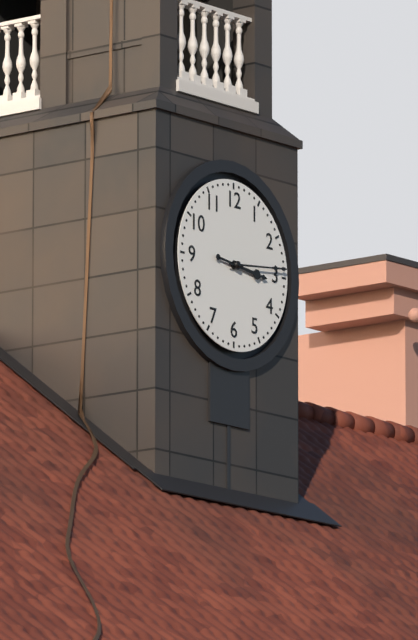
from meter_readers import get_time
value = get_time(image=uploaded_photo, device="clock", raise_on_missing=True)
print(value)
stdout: 3:14
